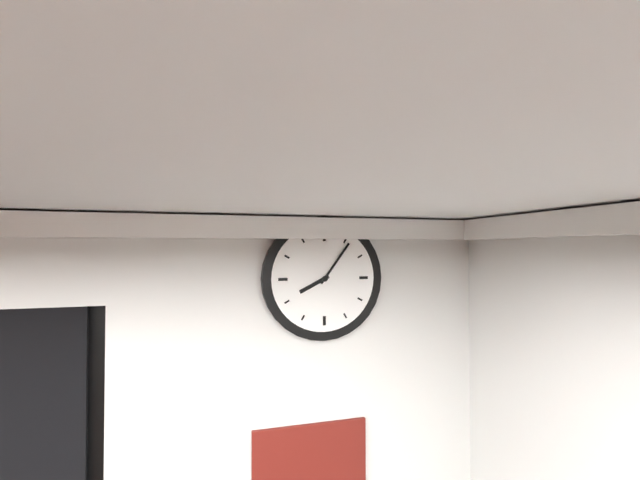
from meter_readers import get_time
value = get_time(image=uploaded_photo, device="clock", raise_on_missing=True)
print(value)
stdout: 8:06
